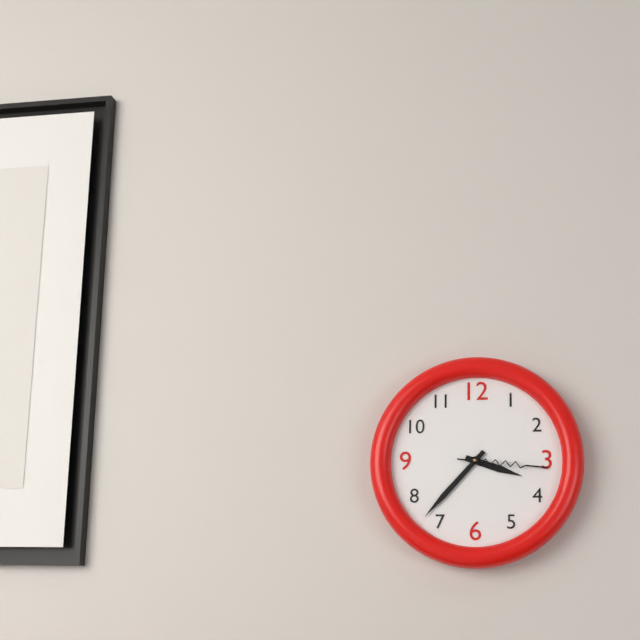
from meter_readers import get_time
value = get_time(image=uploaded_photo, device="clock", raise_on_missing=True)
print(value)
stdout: 3:37:16
